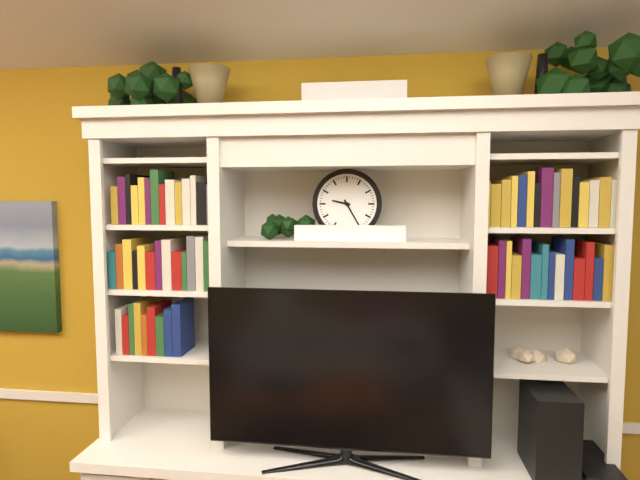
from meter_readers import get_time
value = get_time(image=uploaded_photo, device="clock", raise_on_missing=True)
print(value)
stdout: 9:25
